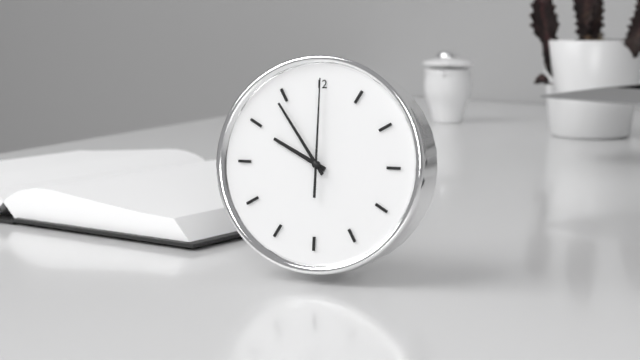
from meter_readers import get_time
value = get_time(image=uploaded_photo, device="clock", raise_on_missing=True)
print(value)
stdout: 9:54:00
